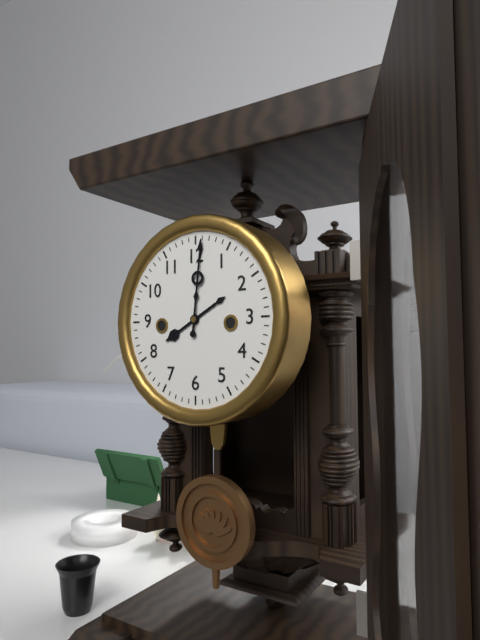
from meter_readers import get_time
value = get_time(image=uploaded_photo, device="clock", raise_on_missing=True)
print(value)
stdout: 8:01
